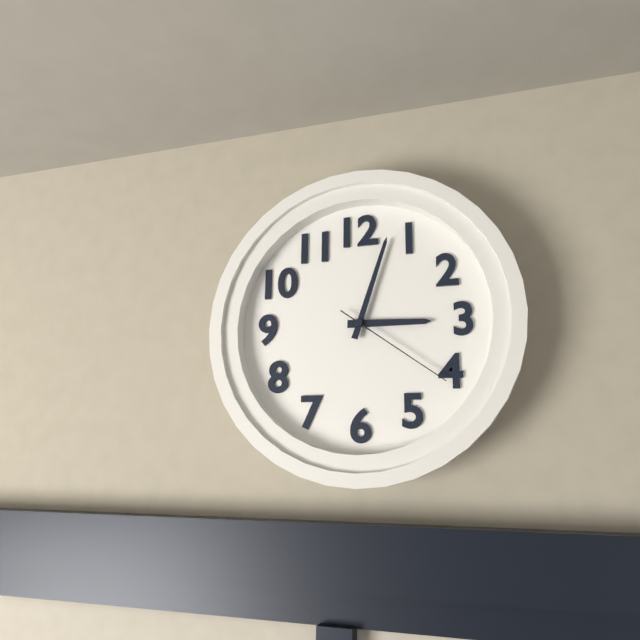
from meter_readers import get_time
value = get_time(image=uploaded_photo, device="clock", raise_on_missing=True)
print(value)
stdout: 3:03:21
